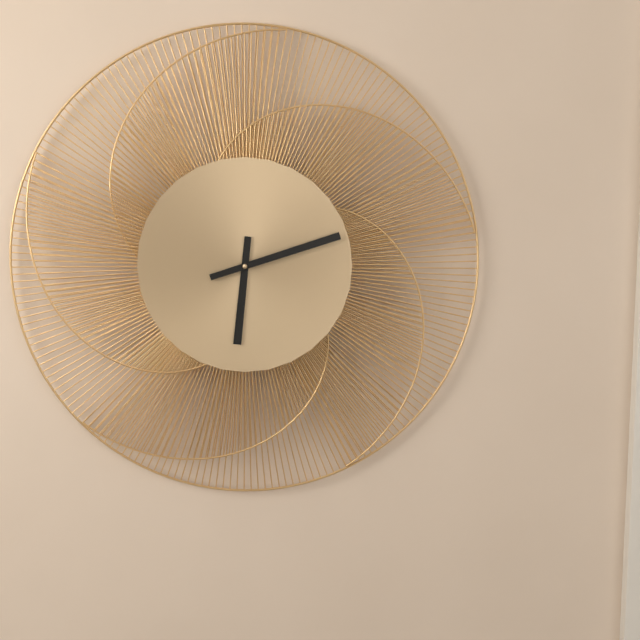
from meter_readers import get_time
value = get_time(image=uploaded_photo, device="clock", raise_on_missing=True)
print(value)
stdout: 6:12
